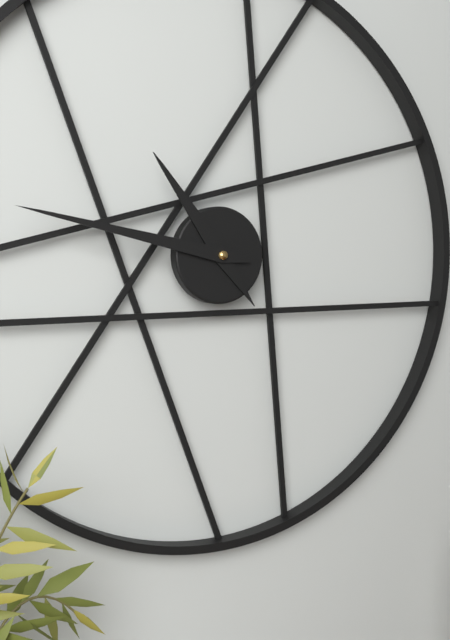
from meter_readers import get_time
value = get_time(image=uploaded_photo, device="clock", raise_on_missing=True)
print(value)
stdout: 10:47
